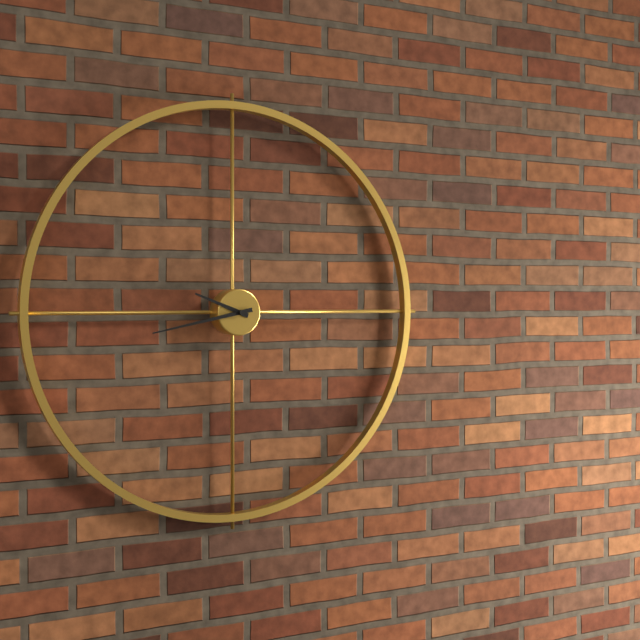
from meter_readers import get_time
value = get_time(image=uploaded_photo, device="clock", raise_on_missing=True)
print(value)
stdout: 9:43
